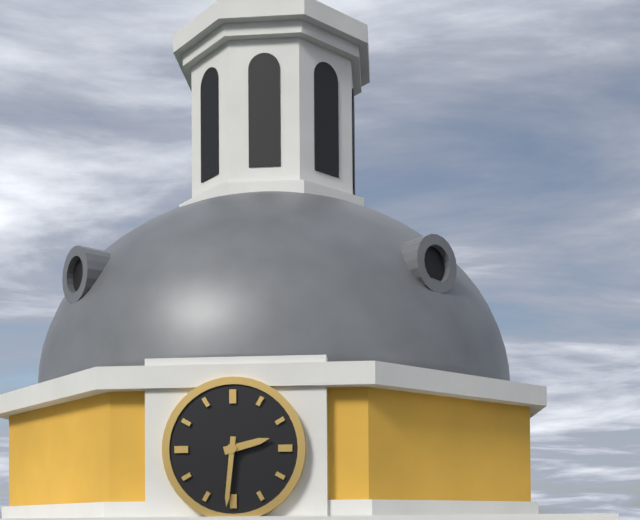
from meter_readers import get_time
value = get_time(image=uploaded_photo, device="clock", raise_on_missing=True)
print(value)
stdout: 2:31
